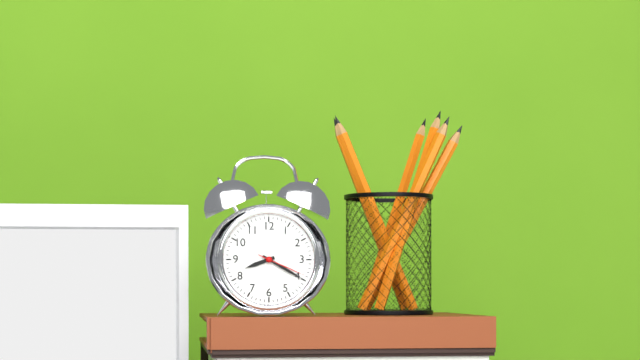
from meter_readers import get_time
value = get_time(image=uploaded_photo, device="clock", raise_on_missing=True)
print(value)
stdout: 8:20:19
